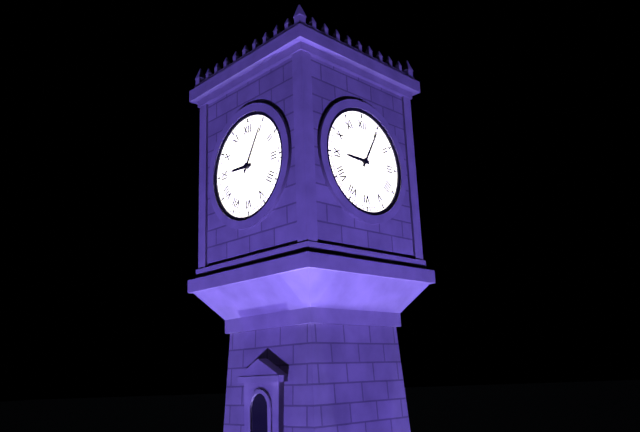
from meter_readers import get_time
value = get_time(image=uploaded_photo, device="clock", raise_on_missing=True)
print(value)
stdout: 9:05
